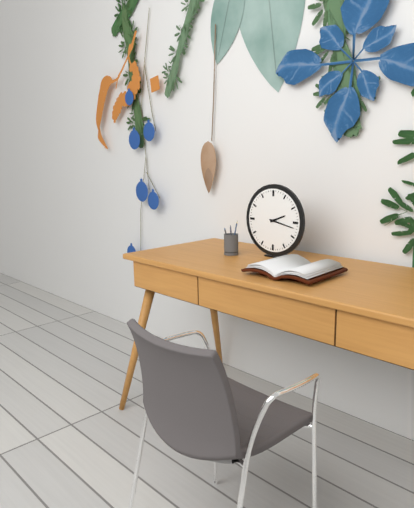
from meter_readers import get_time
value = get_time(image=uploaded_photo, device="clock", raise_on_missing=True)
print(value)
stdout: 2:17
